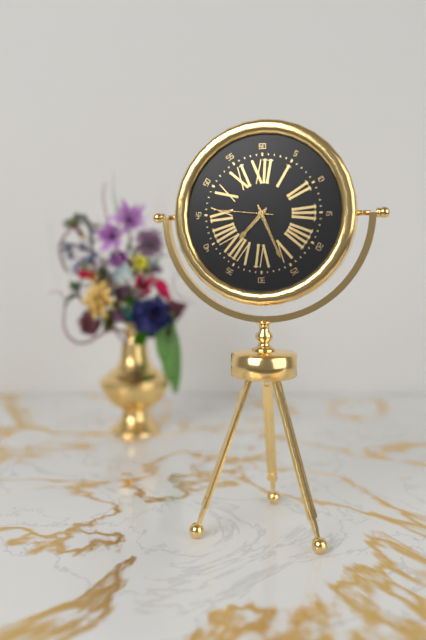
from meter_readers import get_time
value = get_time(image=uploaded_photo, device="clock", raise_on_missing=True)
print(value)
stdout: 7:26:46
